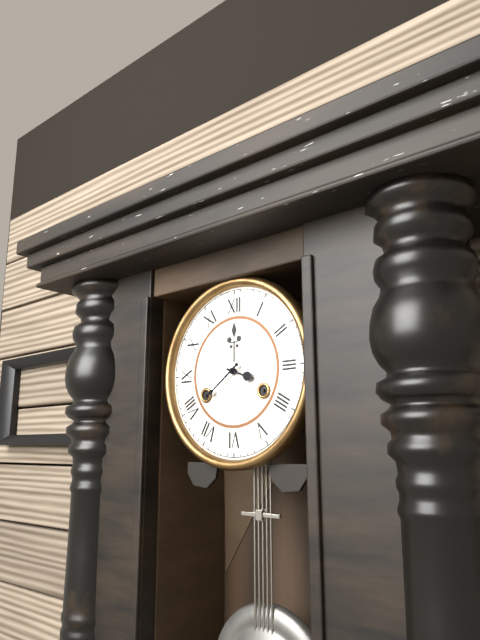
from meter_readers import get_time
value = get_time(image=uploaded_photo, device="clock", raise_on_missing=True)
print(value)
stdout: 3:39
